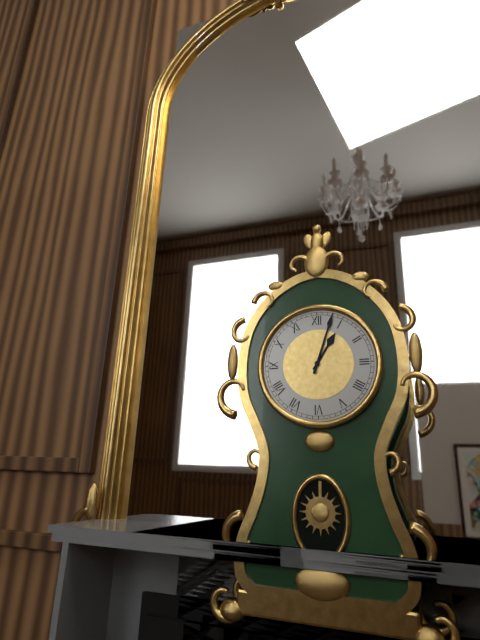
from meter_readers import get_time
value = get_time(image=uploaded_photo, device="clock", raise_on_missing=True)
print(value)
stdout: 1:03
